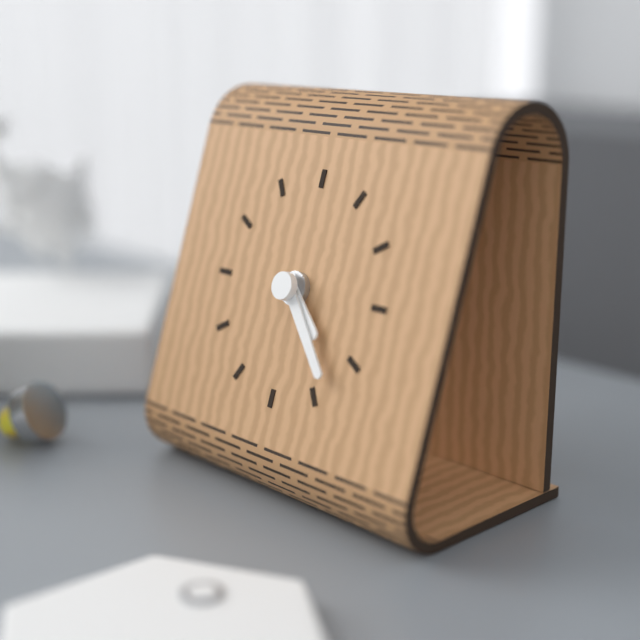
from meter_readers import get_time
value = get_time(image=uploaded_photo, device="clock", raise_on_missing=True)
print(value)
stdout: 4:23
